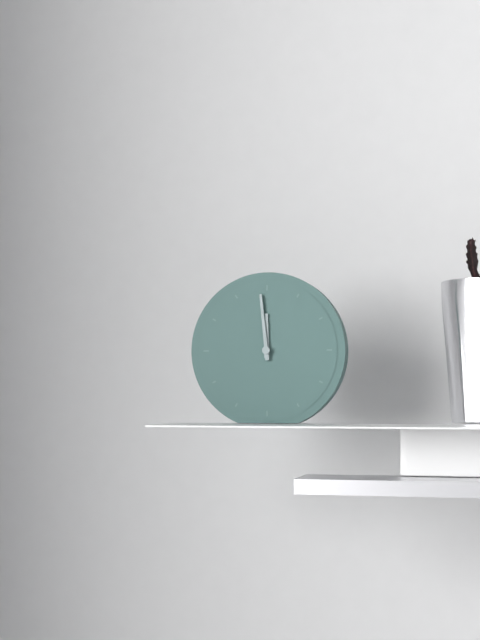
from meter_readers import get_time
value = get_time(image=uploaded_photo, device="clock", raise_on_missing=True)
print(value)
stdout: 11:59
